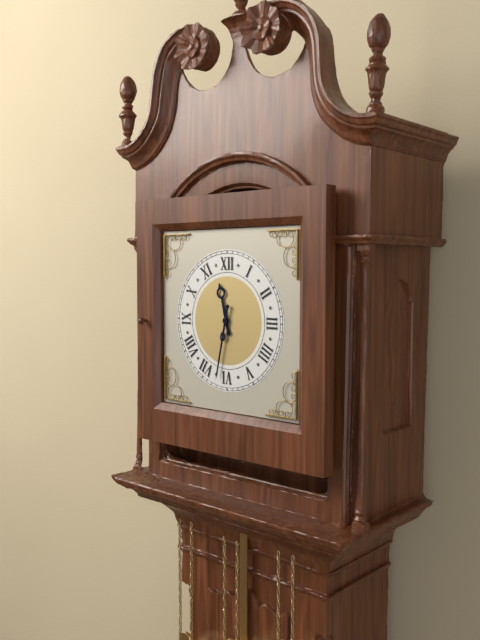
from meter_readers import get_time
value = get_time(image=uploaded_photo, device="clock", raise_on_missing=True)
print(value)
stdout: 11:32
